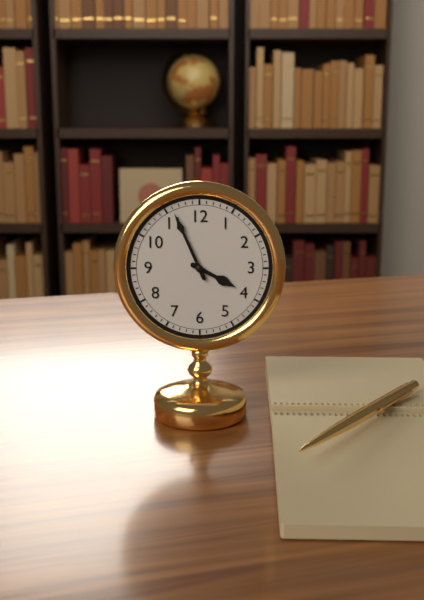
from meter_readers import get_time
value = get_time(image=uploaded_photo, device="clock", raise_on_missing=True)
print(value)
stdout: 3:56
